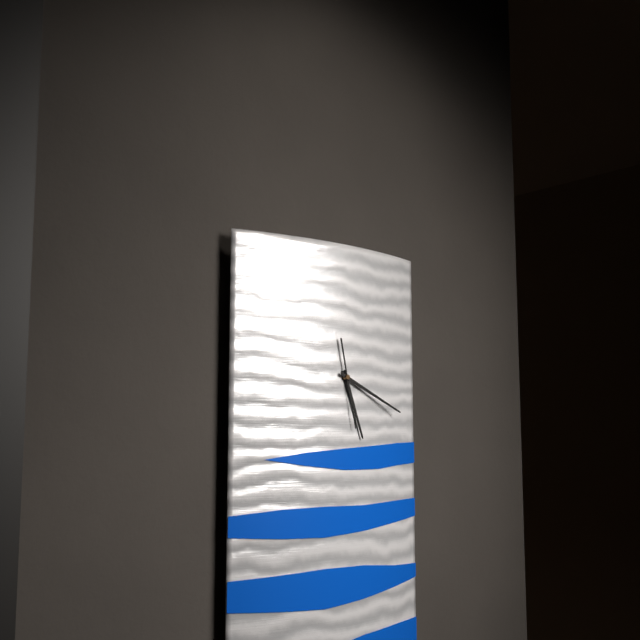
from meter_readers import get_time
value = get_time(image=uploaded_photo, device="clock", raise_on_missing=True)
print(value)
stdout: 5:19:28
